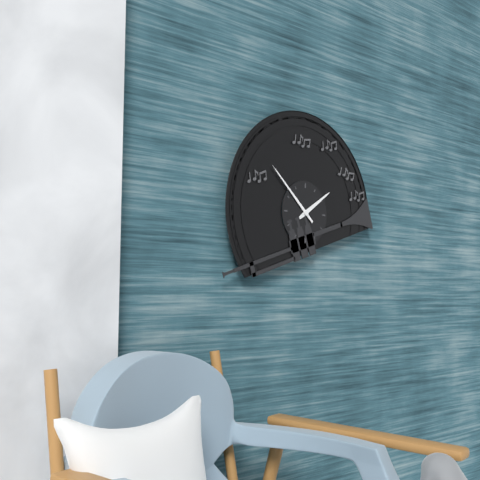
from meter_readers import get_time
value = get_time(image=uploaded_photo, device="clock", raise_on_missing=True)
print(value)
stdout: 1:52
